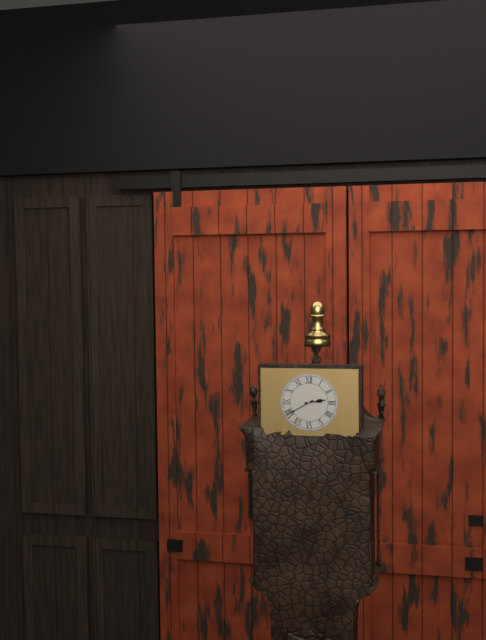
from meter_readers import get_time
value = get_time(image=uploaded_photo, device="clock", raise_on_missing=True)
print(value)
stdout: 2:40
